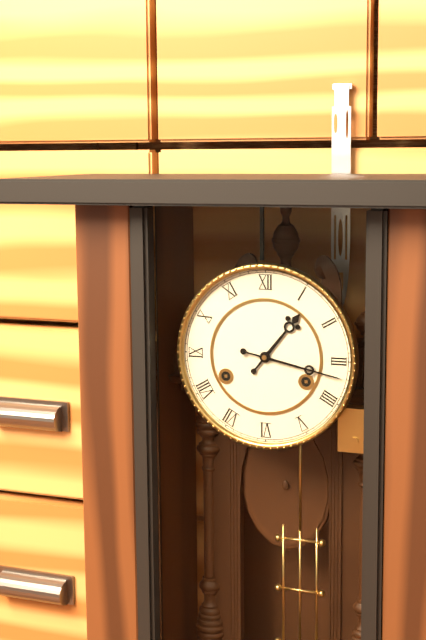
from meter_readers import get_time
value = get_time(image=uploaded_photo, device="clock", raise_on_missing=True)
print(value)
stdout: 1:17
